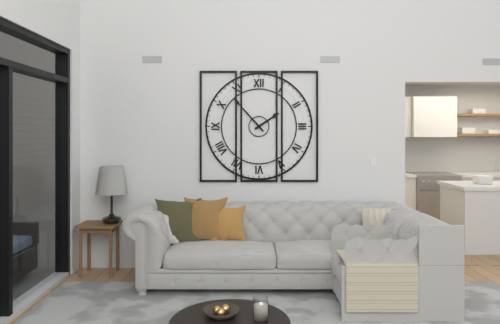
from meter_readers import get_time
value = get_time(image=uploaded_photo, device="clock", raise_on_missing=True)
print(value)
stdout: 1:53
